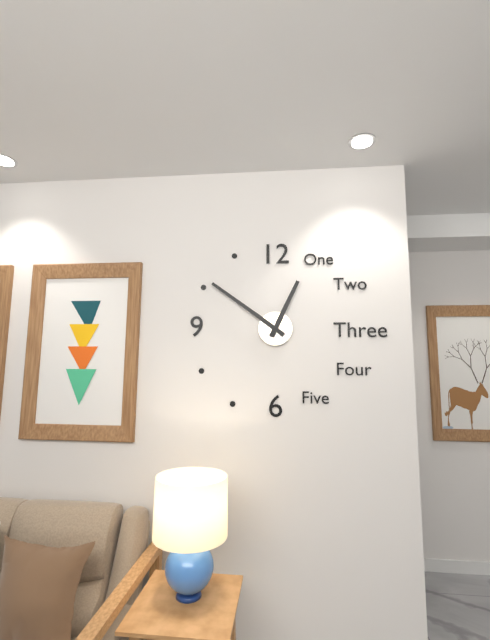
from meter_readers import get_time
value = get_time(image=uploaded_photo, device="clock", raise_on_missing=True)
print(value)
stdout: 12:51
